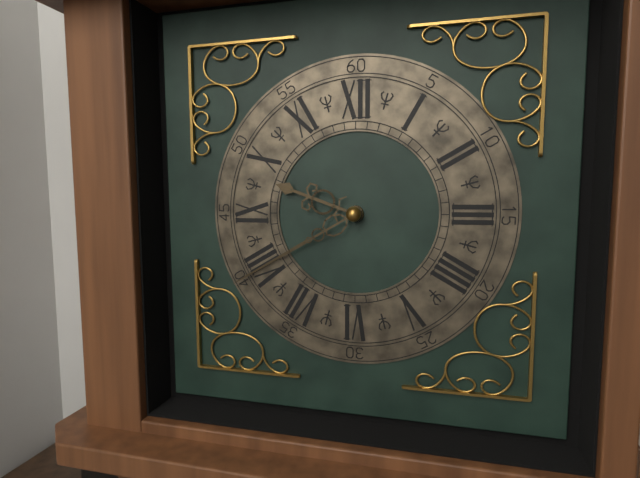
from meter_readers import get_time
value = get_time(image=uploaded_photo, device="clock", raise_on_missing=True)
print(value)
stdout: 9:40
